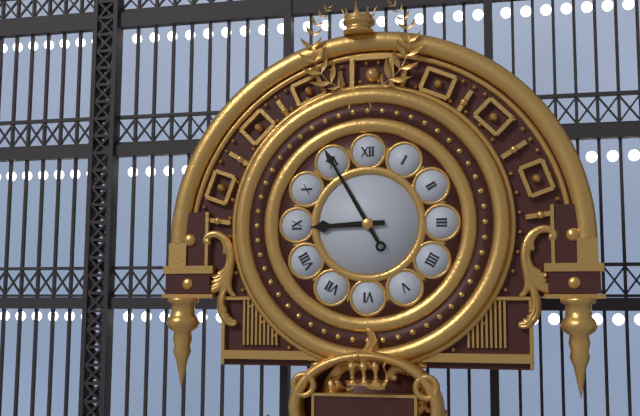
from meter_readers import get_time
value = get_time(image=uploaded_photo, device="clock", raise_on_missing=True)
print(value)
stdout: 8:55
